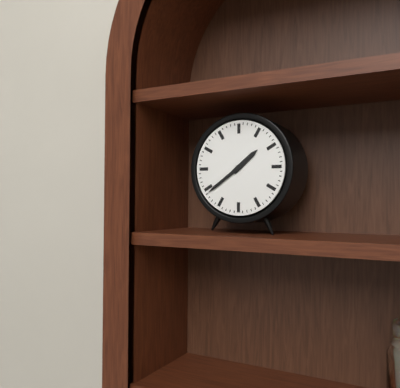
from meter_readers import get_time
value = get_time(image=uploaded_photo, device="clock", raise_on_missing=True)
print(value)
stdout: 1:39
